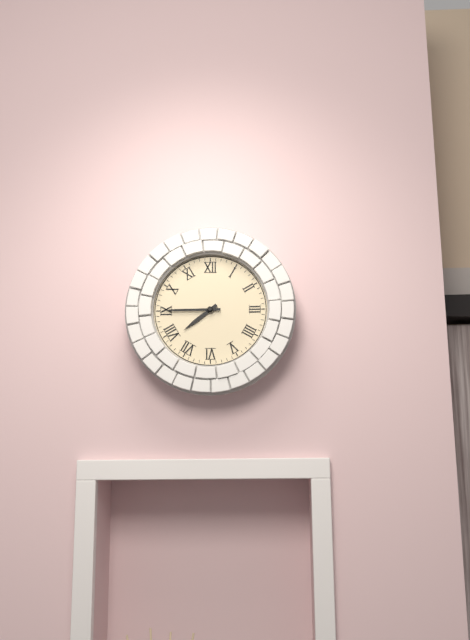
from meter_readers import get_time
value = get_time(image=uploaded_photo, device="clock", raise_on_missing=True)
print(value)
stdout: 7:45
